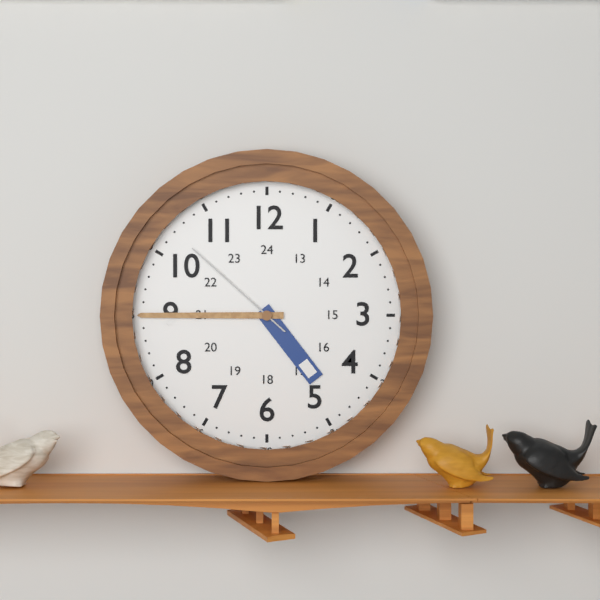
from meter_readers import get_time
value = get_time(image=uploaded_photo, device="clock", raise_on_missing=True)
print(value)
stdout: 4:45:52
